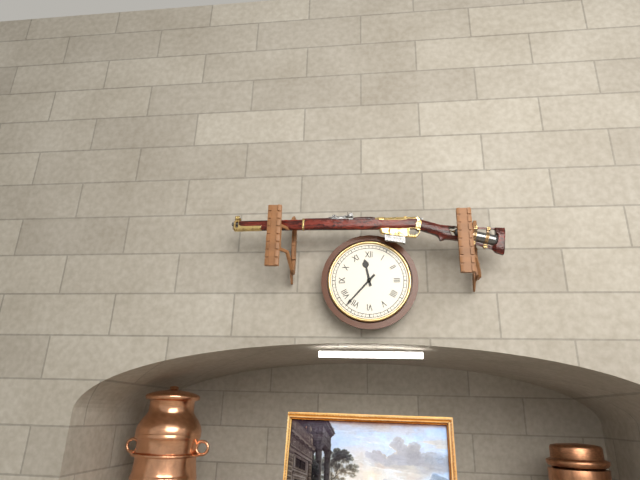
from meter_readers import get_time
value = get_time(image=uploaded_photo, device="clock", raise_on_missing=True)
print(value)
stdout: 11:37
